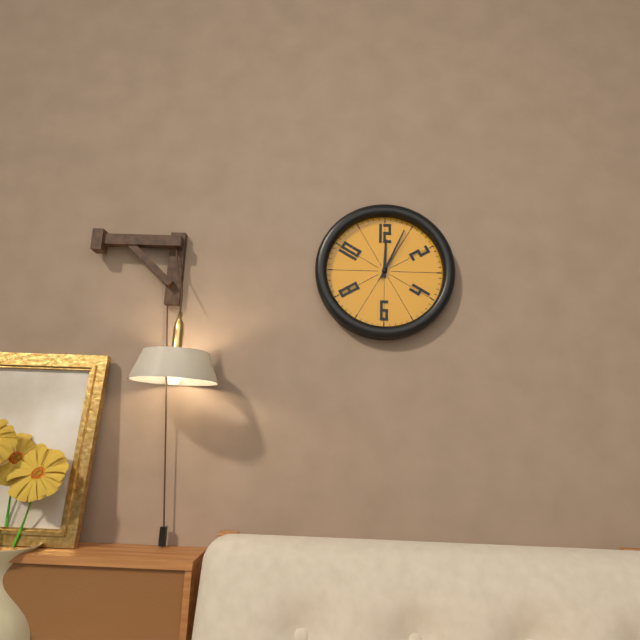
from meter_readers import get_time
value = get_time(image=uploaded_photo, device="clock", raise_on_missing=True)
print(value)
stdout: 12:04:05
